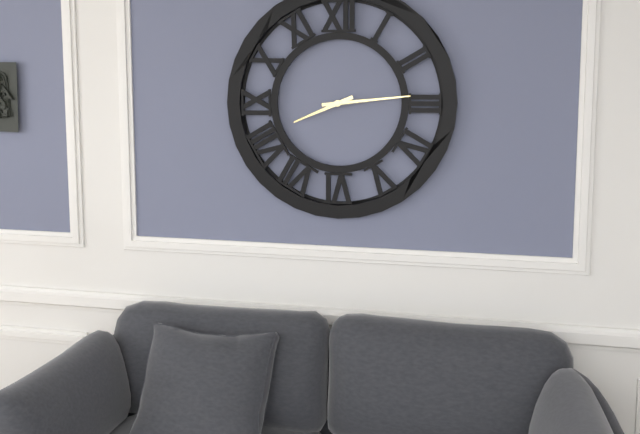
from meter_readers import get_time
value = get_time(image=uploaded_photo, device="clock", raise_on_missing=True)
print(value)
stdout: 8:14
